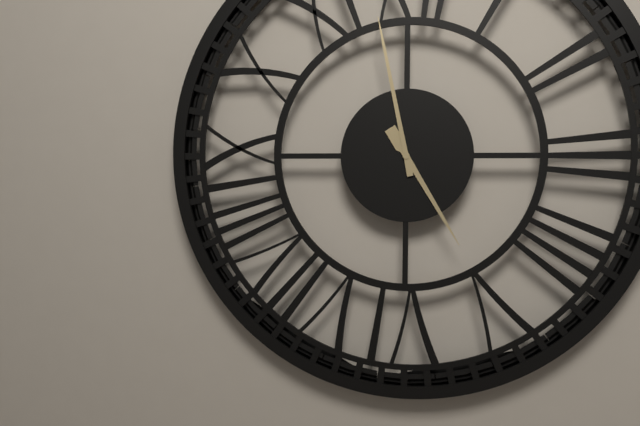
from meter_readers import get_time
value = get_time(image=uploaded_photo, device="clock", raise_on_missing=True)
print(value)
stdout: 4:58
